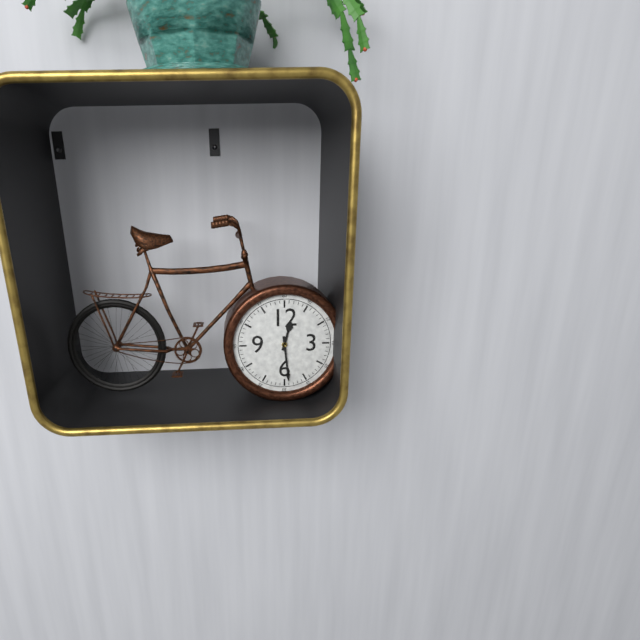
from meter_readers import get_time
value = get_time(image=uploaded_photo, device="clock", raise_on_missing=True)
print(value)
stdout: 12:29
